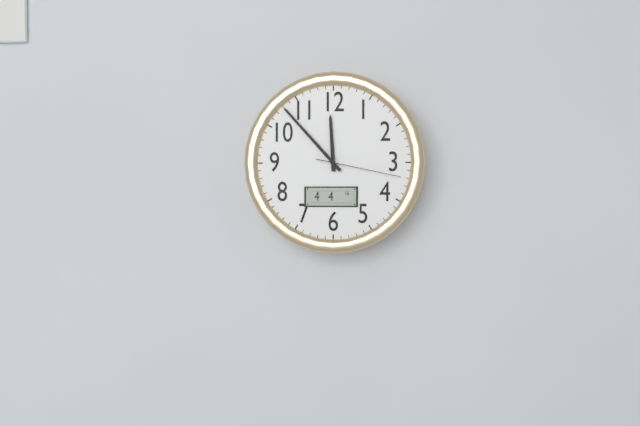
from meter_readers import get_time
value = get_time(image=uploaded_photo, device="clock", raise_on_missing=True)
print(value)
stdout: 11:53:17
